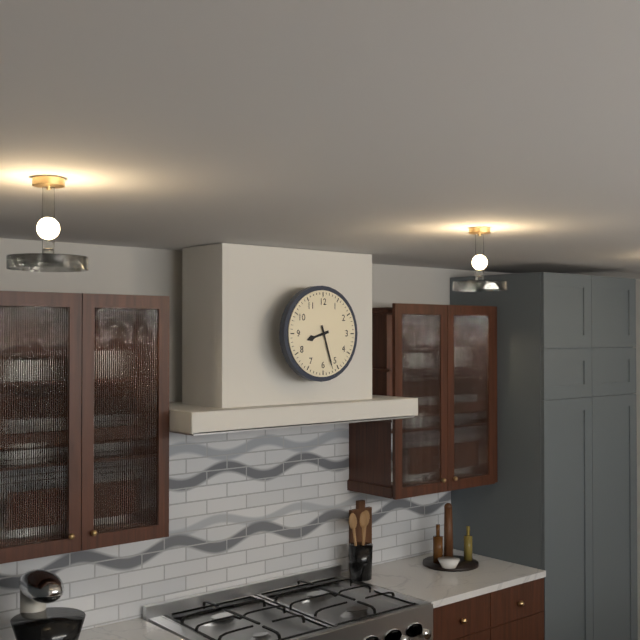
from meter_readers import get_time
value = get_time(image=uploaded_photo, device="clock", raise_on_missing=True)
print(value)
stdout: 8:27
